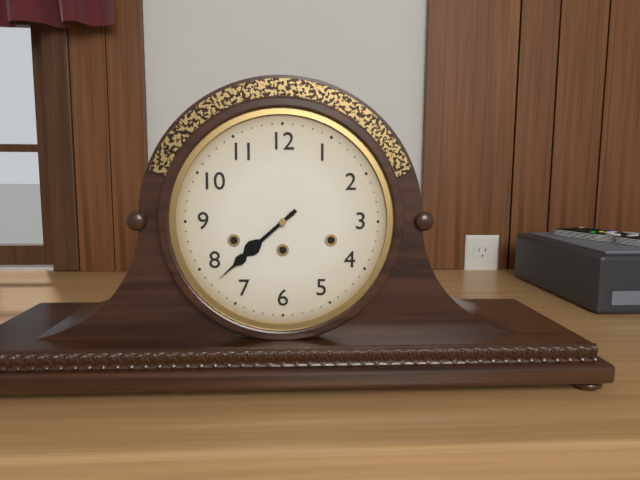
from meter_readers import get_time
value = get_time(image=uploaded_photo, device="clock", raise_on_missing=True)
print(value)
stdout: 7:38
